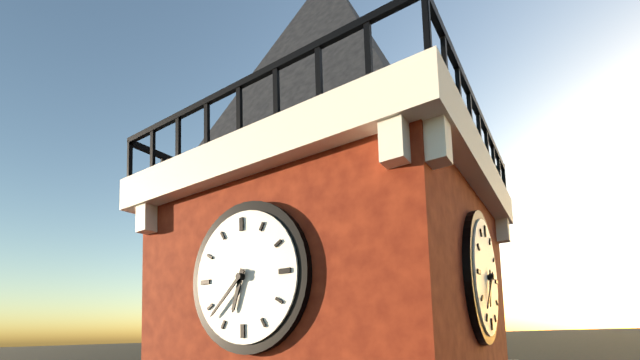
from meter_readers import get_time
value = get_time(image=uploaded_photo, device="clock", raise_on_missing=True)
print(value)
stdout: 6:38
